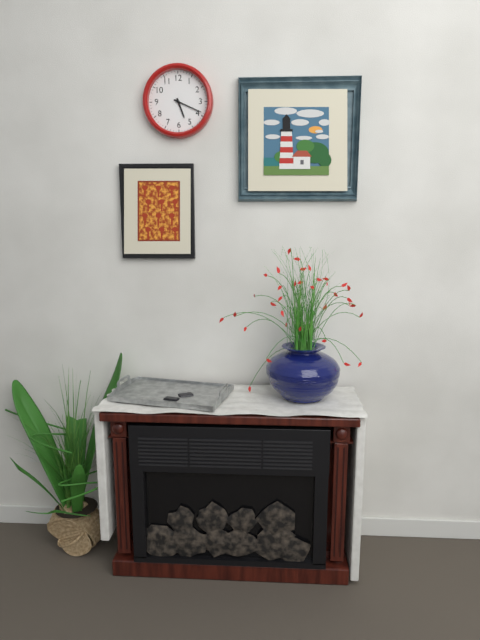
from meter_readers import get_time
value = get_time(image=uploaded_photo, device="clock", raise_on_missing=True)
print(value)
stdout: 5:19
